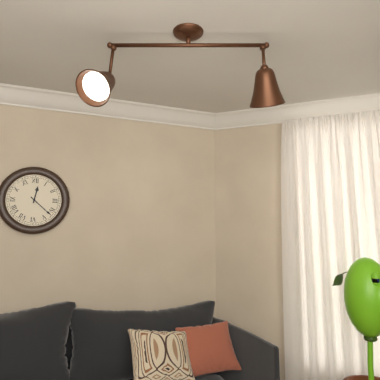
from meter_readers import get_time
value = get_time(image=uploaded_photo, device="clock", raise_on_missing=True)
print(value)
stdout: 12:22
